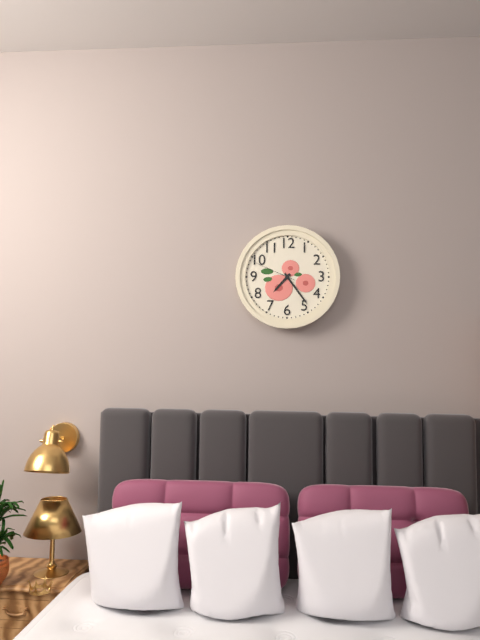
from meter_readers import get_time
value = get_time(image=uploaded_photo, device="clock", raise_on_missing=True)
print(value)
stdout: 7:24
